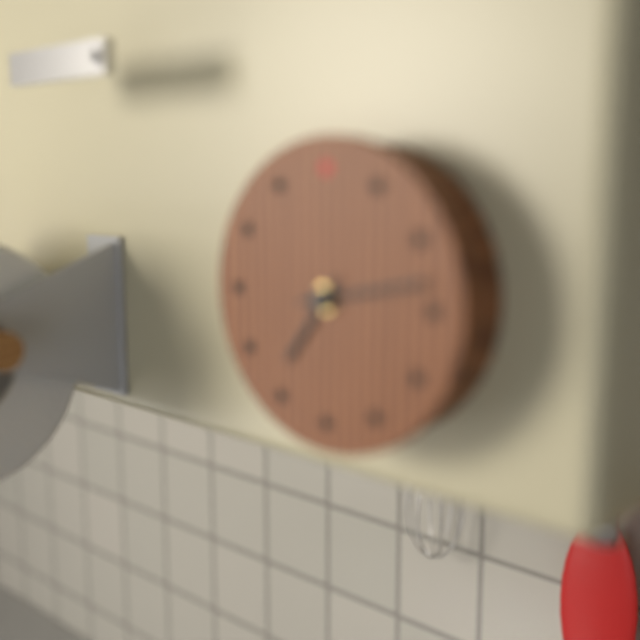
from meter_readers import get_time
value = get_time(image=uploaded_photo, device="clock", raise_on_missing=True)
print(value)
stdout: 7:13
